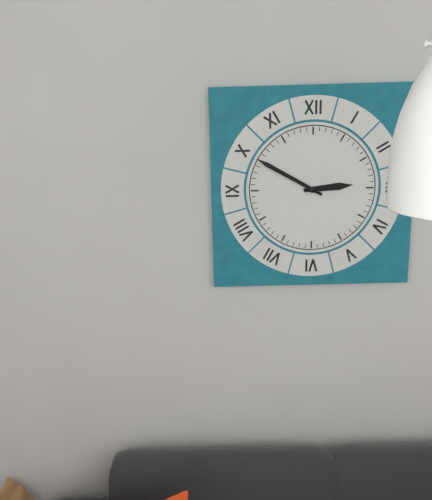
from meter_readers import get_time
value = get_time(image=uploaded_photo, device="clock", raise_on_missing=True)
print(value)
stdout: 2:50
